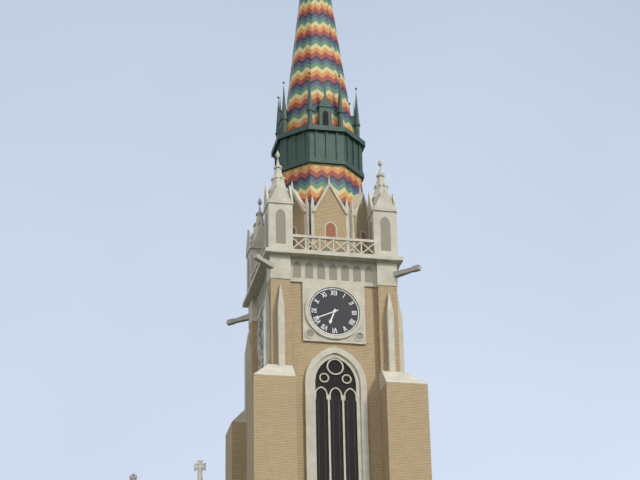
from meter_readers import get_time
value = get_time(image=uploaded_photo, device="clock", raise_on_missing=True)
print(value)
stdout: 6:41
